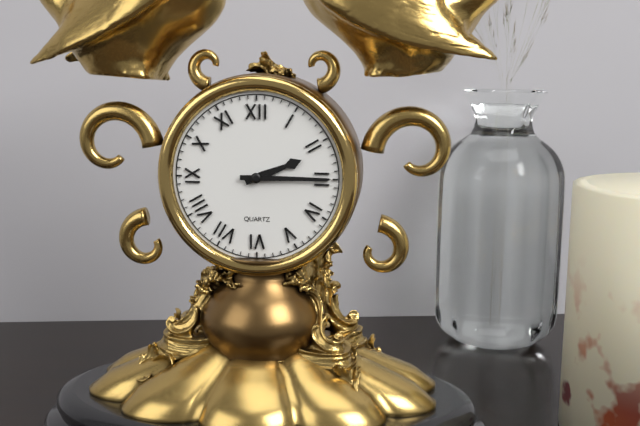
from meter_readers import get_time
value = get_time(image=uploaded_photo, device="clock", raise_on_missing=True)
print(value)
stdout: 2:15
